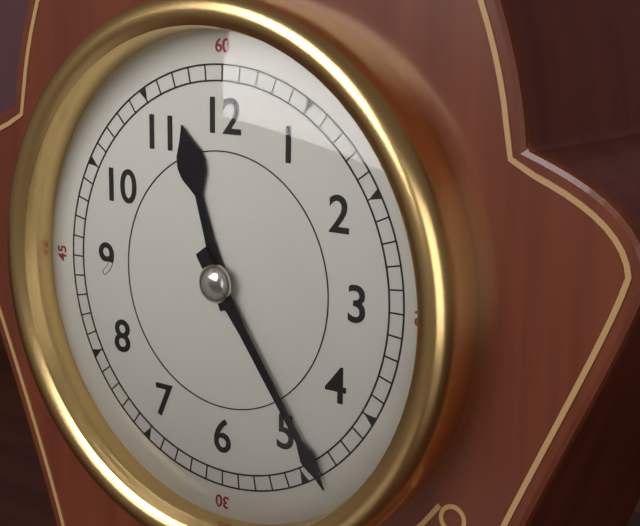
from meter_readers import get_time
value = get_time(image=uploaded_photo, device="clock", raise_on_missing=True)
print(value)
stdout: 11:24
